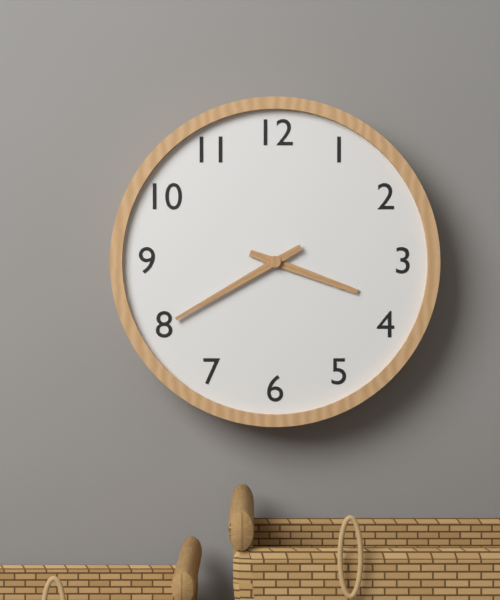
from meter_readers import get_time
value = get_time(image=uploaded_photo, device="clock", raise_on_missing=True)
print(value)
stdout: 3:40
